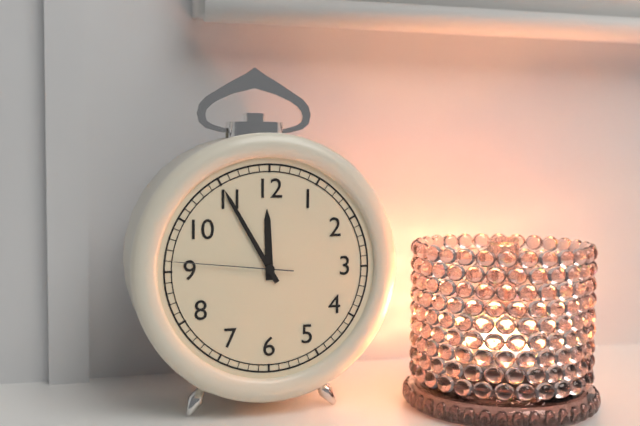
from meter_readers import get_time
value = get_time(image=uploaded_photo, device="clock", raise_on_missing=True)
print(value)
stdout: 11:55:46
